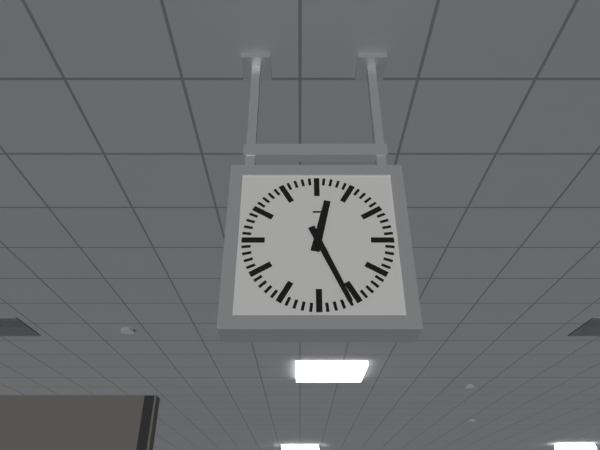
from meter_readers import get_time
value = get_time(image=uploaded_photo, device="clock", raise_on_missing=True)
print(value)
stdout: 12:26
